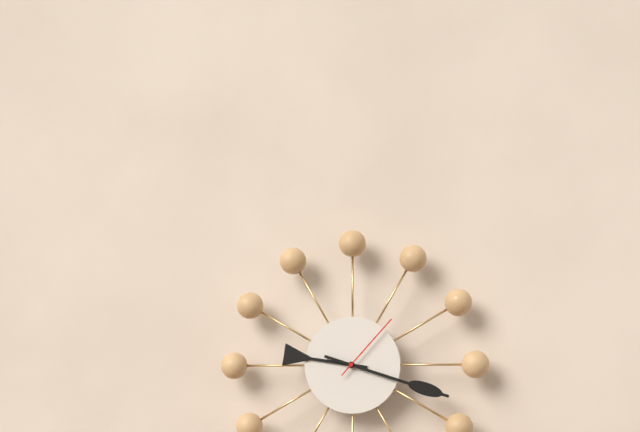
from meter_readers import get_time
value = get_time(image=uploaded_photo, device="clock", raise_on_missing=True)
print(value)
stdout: 9:18:07
